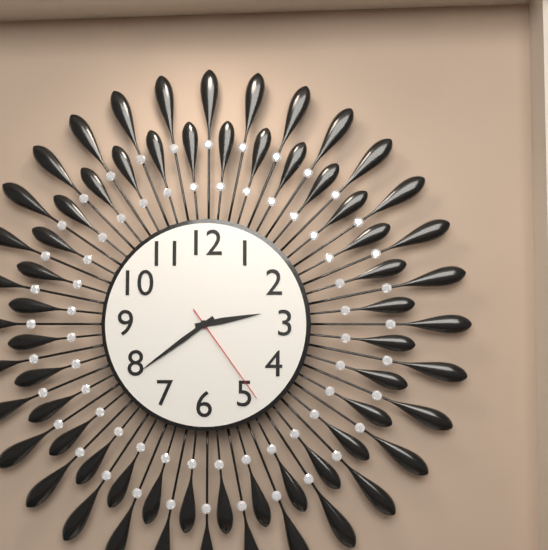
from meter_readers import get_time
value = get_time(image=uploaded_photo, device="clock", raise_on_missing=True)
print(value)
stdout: 2:39:24
